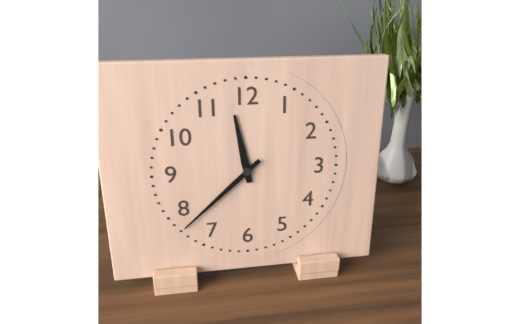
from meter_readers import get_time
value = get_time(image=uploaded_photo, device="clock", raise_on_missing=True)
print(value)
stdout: 11:38
